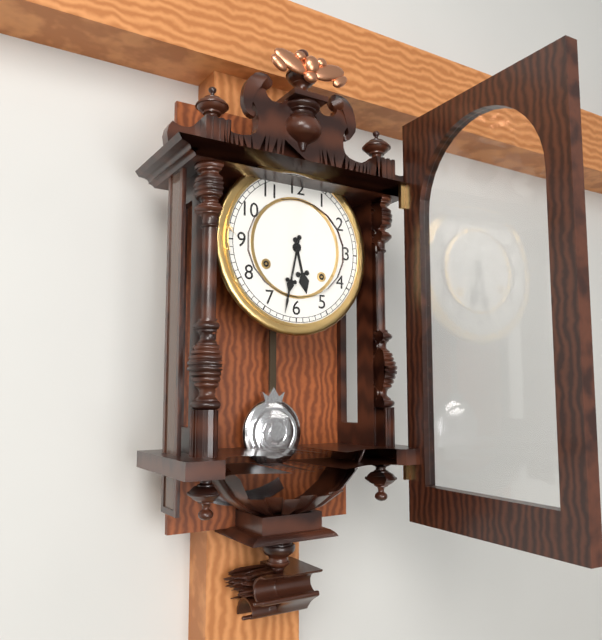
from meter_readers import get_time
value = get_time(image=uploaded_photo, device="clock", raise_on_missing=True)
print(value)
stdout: 5:32
